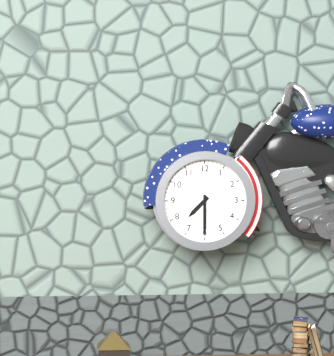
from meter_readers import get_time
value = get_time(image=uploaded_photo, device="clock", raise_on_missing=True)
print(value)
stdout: 7:30
